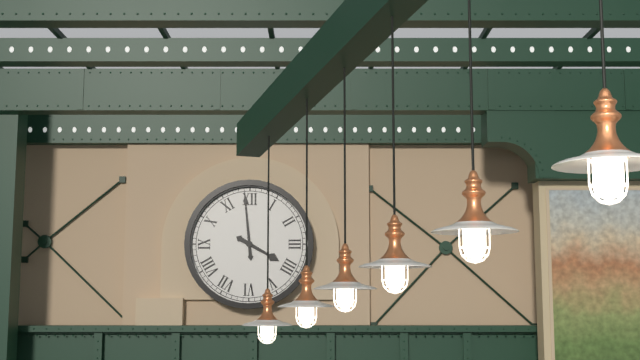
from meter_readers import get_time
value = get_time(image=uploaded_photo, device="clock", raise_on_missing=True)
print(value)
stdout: 3:59
